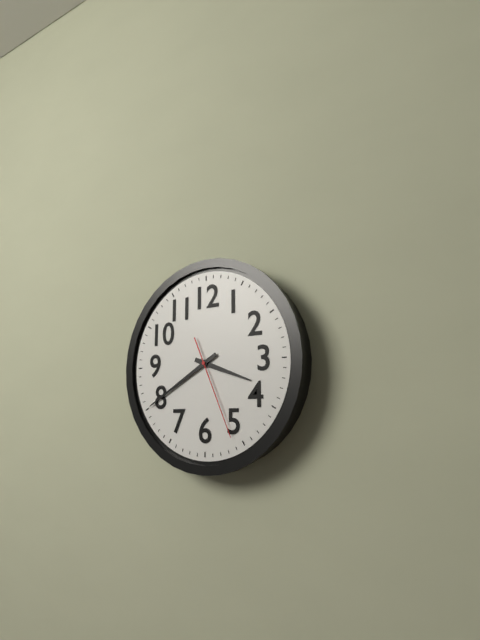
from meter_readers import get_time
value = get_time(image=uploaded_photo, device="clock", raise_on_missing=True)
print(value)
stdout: 3:40:26
